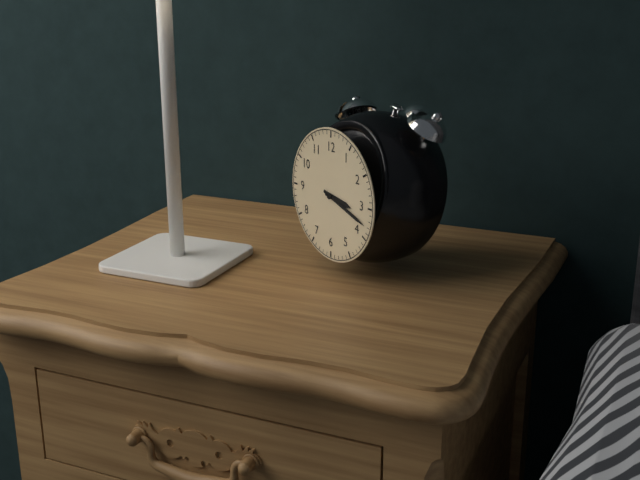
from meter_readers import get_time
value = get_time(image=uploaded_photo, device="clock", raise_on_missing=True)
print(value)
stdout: 3:18
